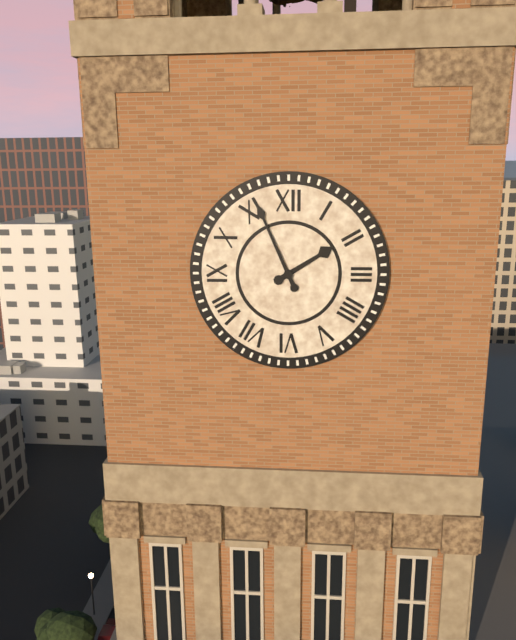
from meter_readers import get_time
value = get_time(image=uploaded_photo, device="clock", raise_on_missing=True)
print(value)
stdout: 1:56
